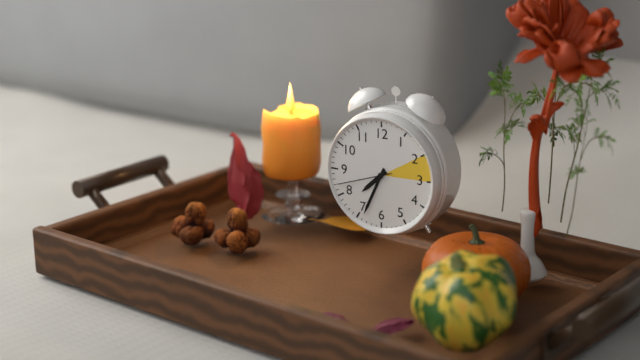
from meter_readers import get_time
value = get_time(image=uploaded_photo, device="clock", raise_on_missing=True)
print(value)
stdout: 7:34:42
